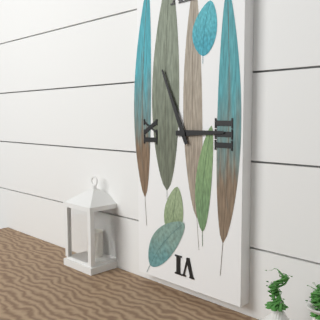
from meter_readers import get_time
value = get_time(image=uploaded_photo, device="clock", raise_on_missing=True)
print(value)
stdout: 2:56
